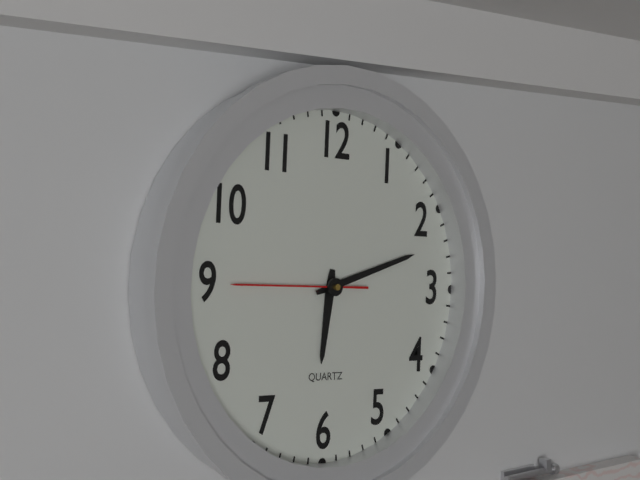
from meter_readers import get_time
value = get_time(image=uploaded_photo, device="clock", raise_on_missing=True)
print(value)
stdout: 6:12:45
